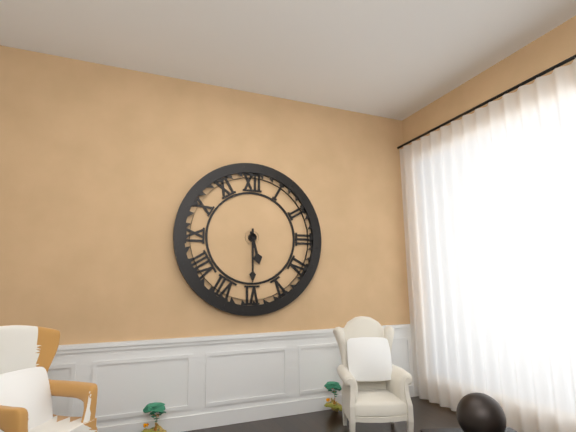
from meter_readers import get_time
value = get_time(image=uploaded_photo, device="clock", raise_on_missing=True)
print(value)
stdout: 5:30
